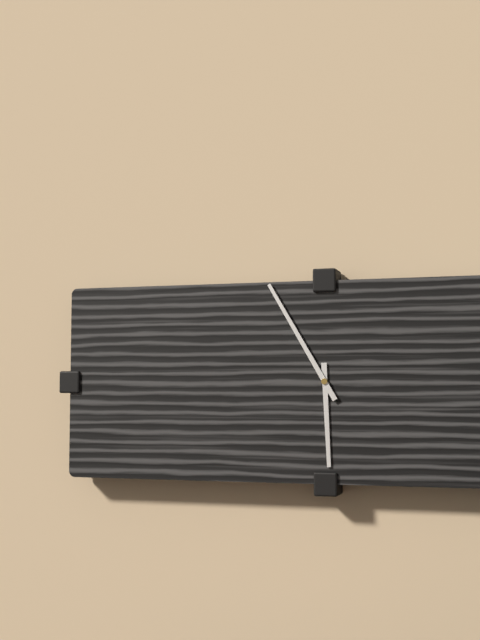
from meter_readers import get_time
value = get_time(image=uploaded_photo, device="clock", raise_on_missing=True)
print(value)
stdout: 5:55
